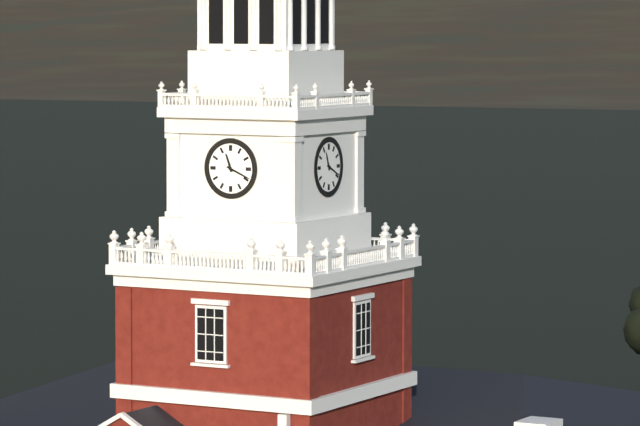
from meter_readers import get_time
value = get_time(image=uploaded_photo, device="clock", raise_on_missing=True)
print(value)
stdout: 11:19
